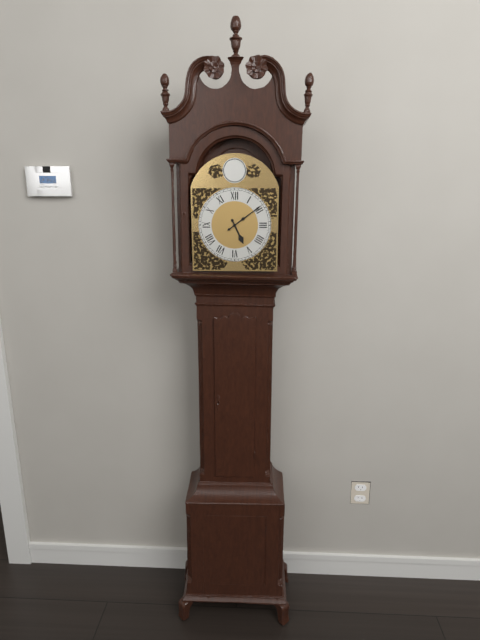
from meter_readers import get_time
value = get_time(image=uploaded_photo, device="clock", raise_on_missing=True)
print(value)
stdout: 5:09
